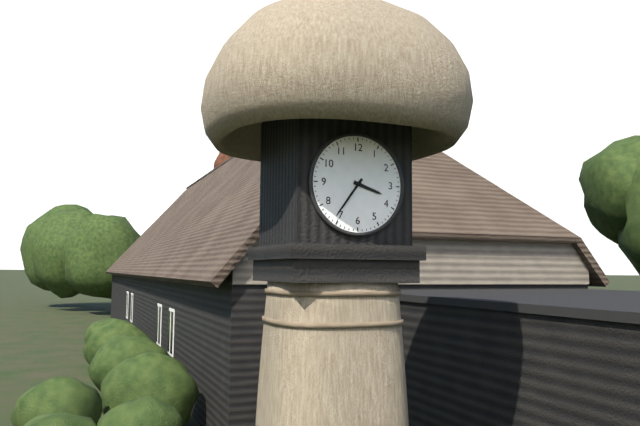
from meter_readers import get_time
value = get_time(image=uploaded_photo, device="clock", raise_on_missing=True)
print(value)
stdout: 3:36
